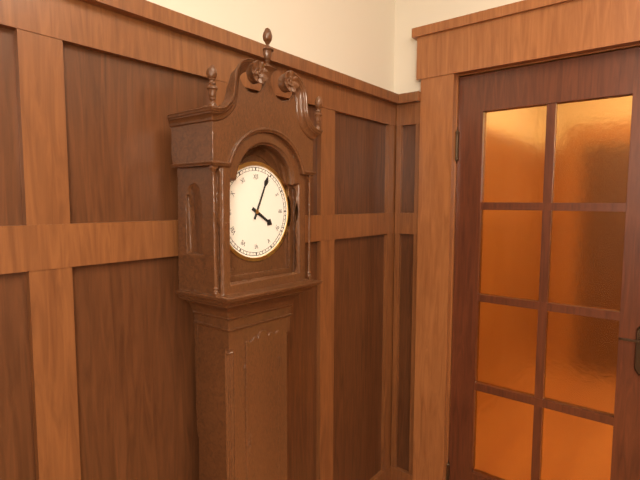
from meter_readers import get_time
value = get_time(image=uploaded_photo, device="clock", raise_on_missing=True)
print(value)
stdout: 4:04
